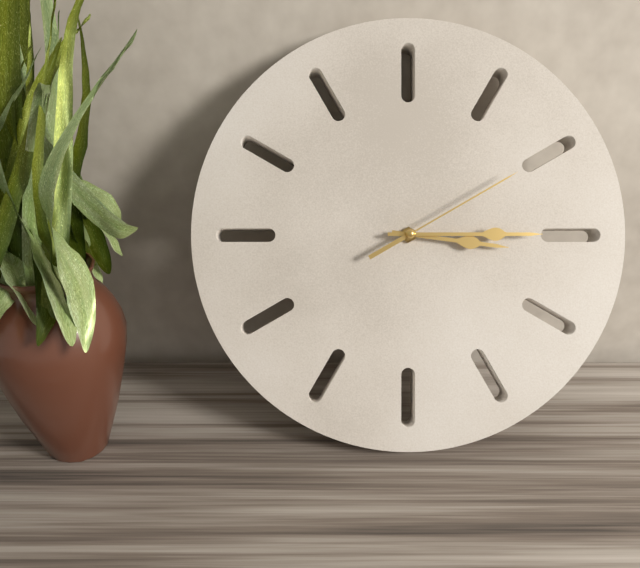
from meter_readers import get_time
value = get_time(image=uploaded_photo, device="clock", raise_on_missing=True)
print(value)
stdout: 3:15:10
